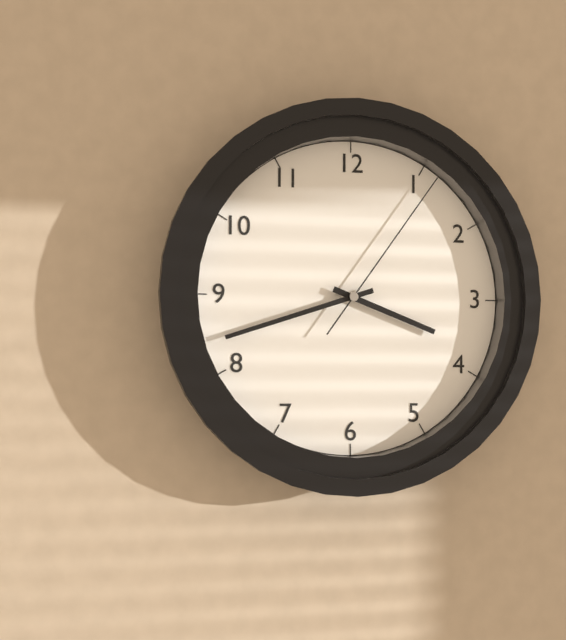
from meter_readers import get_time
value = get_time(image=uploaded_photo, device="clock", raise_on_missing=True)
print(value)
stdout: 3:42:06
